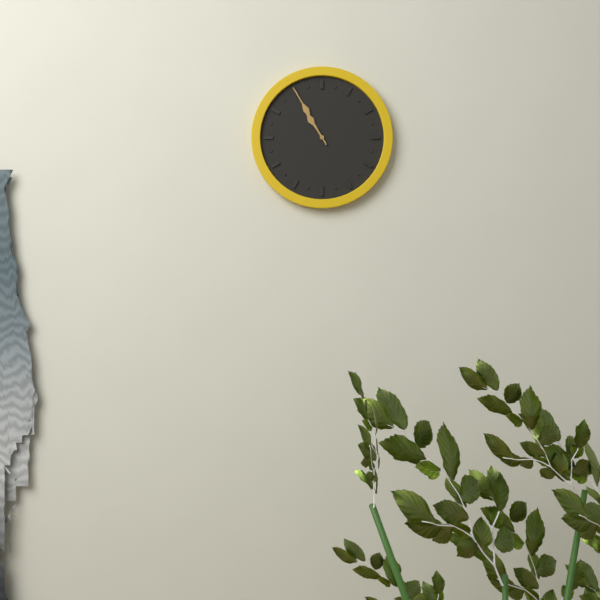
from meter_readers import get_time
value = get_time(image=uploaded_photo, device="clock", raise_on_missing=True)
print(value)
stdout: 10:55
